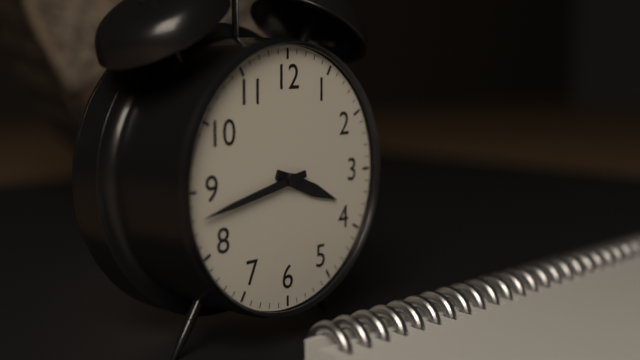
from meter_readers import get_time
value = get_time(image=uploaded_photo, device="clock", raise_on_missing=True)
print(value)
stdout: 3:43
